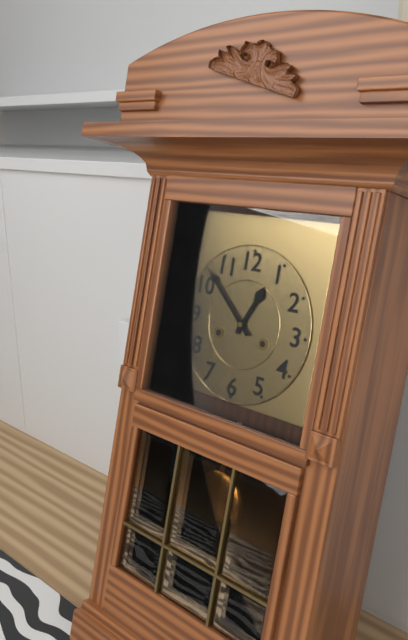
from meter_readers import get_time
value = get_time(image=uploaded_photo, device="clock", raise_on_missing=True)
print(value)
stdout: 12:52
